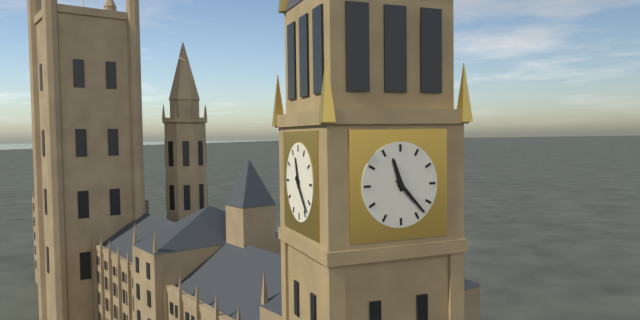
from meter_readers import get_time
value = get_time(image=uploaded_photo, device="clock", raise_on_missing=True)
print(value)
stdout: 11:23
